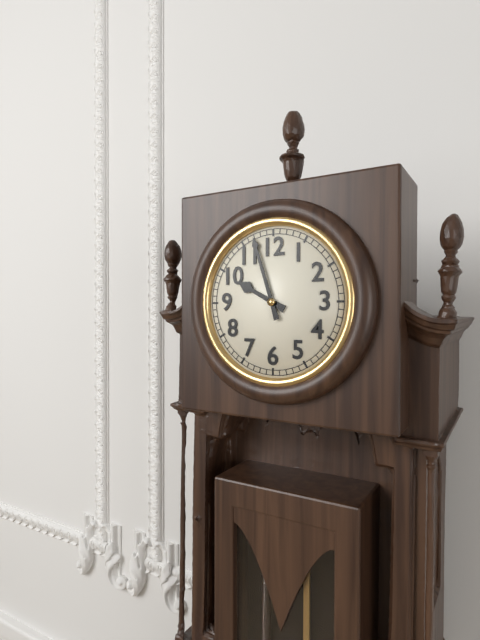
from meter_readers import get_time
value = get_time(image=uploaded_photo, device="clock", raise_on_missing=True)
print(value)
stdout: 9:57
